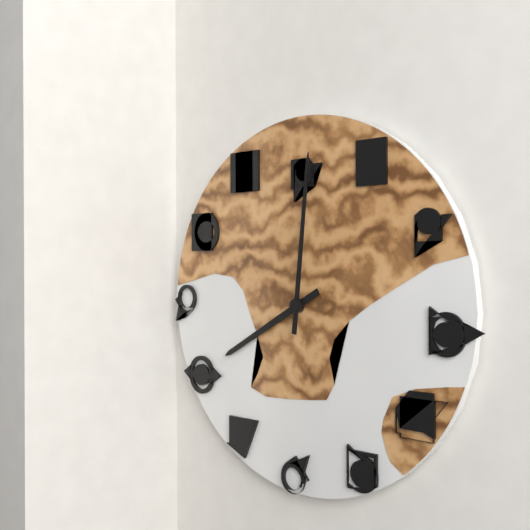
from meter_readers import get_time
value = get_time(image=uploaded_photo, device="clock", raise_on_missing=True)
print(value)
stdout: 8:01
